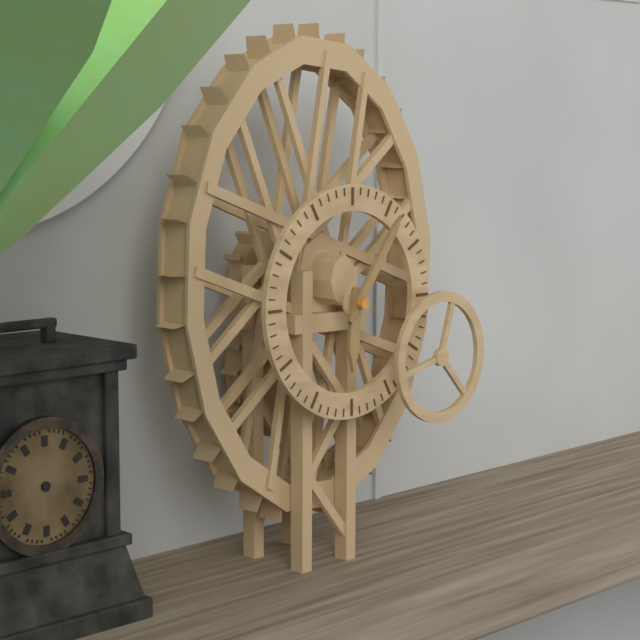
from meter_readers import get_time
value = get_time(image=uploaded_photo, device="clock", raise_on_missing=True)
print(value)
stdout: 6:06
